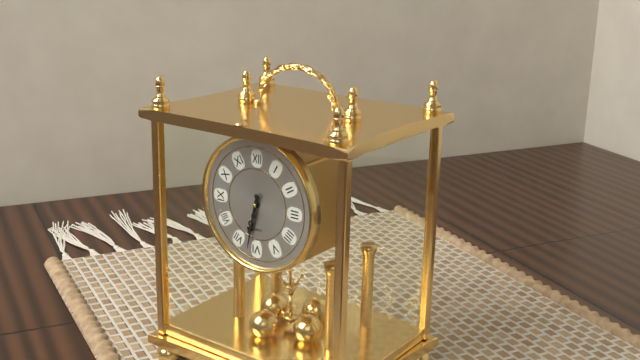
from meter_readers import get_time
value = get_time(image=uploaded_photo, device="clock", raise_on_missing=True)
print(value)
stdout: 6:32
